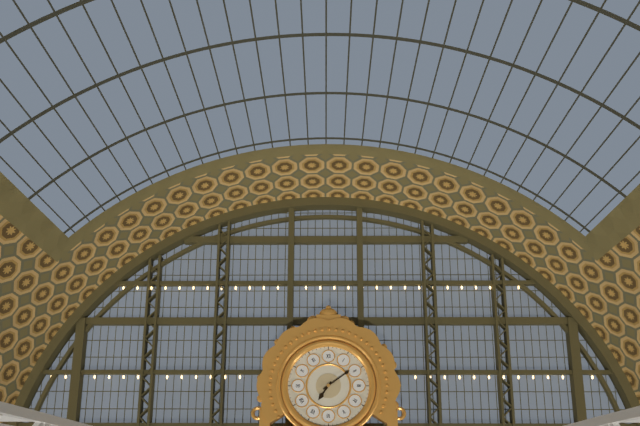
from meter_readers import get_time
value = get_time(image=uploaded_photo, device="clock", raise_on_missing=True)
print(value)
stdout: 7:09
